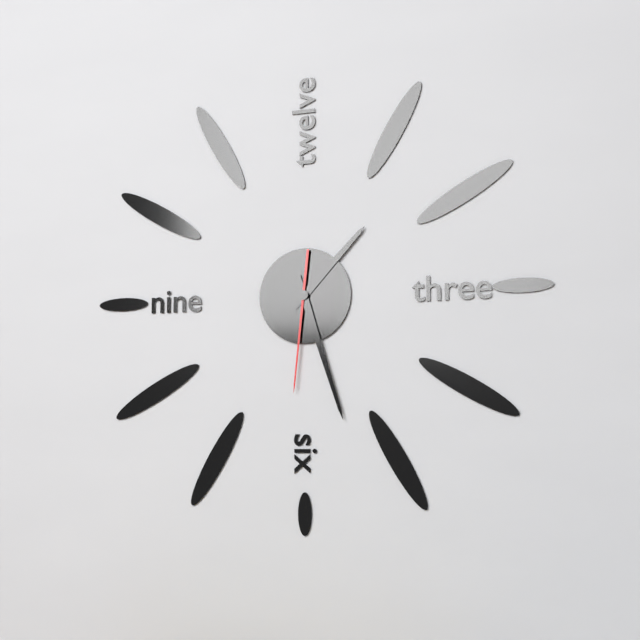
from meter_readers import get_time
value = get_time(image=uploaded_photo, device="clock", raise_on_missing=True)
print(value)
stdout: 1:27:31
